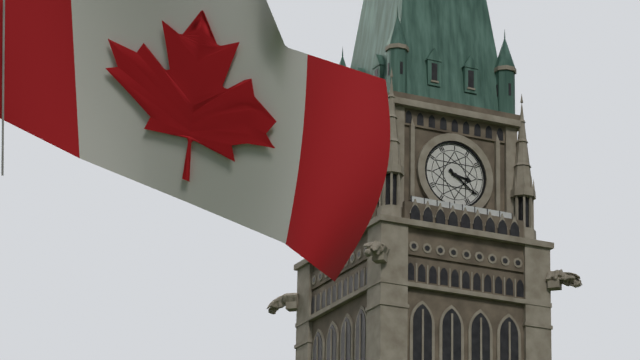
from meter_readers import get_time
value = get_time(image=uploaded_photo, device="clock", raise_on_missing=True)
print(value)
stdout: 3:21
